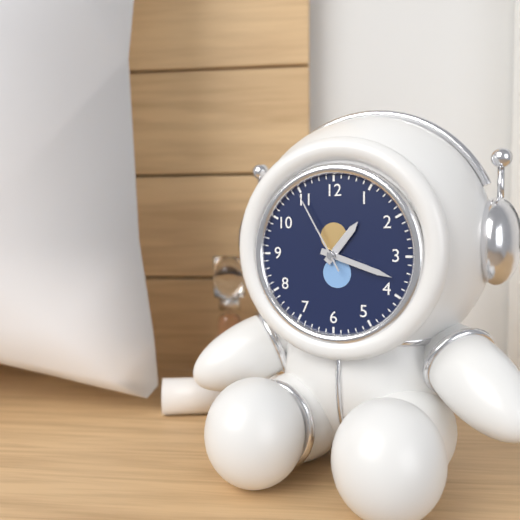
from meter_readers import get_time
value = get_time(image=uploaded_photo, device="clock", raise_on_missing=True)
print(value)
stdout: 1:18:55
